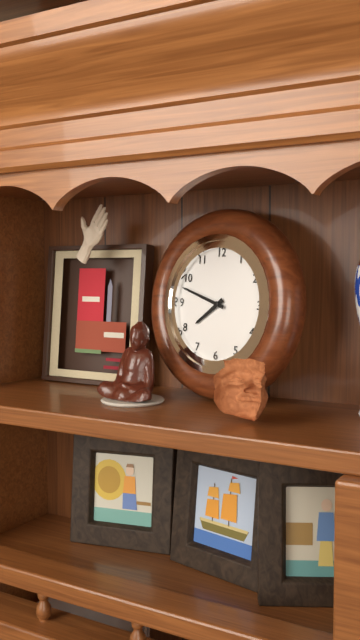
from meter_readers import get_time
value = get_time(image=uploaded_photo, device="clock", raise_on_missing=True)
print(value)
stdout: 7:48
